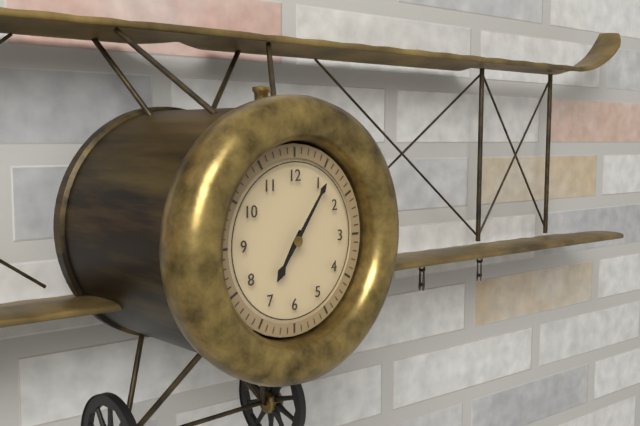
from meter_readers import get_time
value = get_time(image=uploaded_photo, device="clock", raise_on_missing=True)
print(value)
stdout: 7:06
